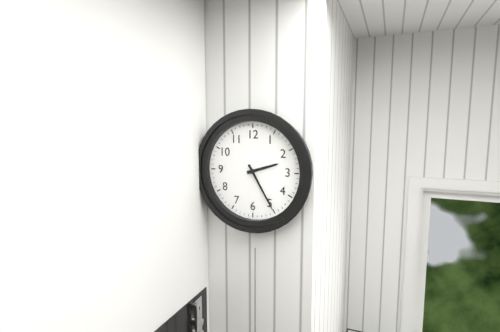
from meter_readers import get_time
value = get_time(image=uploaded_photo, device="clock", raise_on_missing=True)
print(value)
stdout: 2:25
